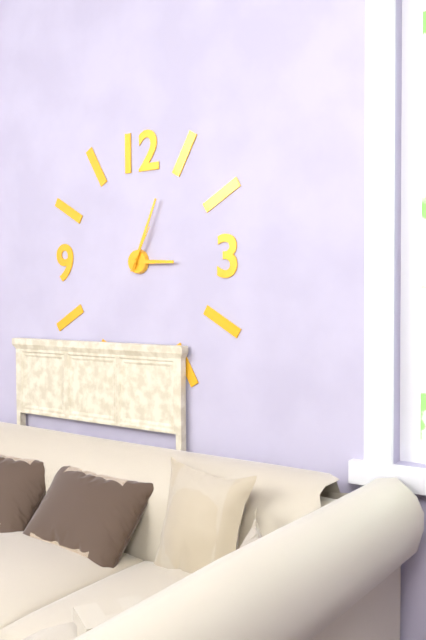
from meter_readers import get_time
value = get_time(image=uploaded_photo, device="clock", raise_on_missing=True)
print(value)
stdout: 3:04
